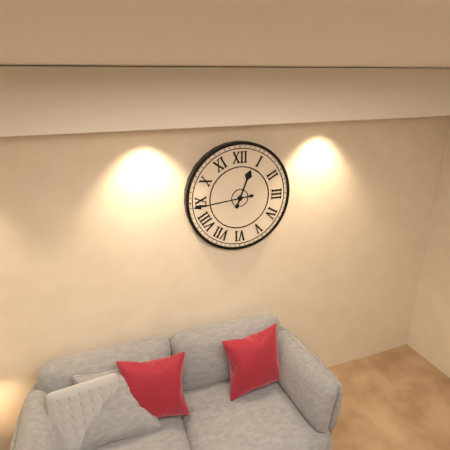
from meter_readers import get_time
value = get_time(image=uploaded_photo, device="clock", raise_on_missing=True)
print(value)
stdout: 12:44
